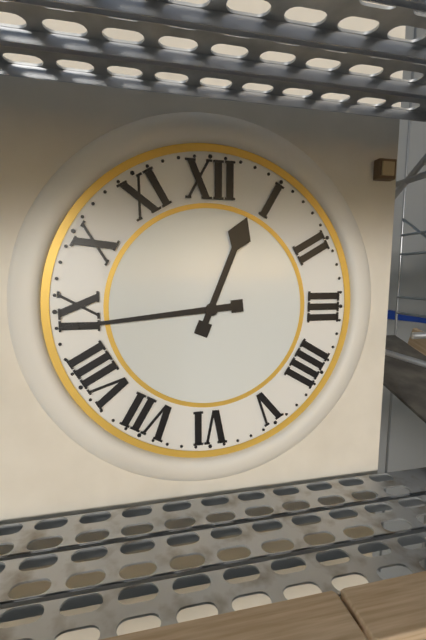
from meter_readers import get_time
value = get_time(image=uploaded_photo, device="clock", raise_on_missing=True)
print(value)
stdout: 12:44
